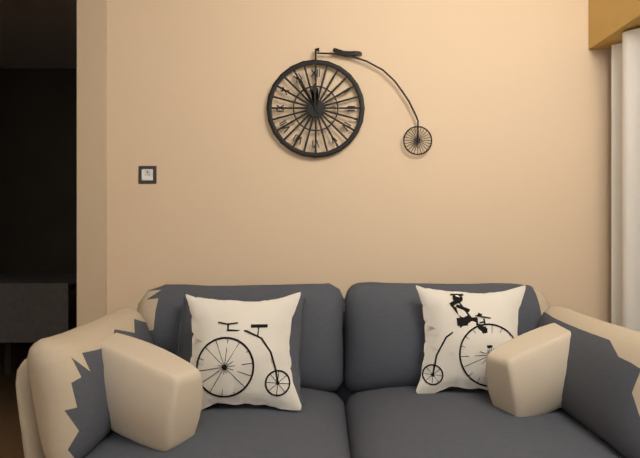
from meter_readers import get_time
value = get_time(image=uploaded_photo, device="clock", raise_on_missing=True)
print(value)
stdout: 11:55
